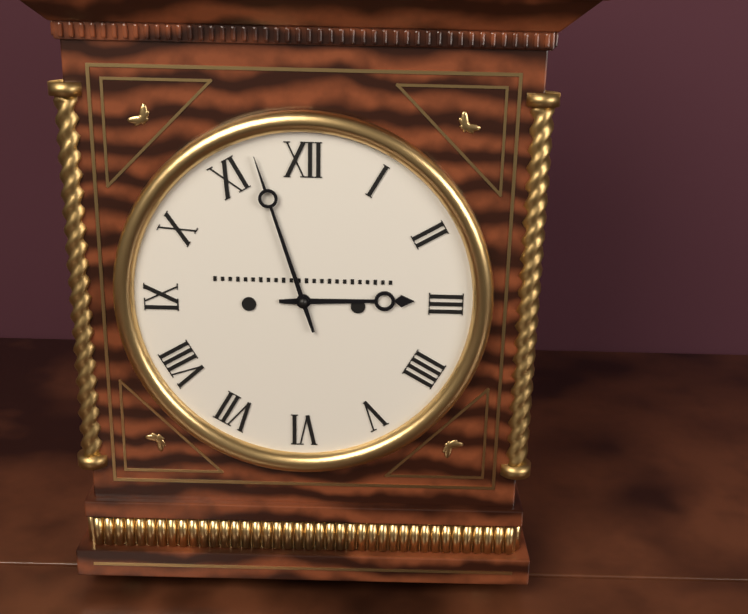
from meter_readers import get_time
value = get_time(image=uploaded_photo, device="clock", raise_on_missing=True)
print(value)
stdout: 2:57
